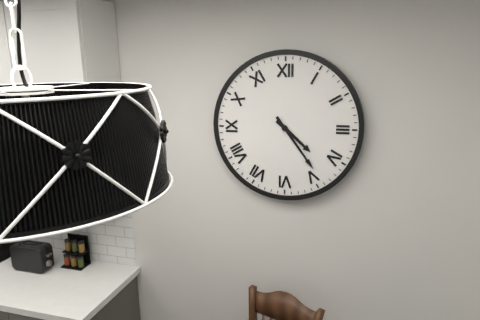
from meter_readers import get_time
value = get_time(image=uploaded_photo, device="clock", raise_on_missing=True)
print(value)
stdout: 4:24
